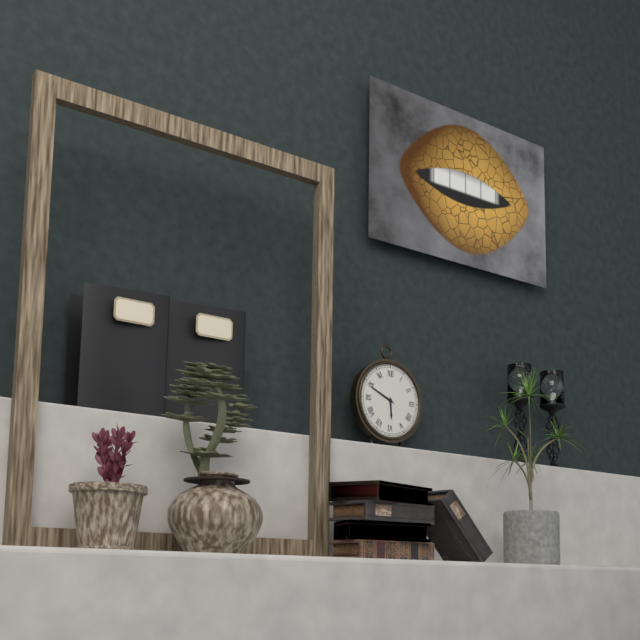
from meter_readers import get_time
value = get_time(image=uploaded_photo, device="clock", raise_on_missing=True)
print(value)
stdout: 5:49
